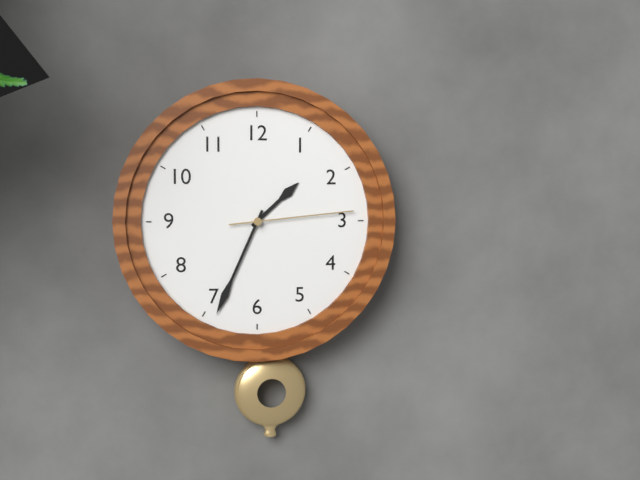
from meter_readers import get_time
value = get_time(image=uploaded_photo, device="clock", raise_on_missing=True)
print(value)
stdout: 1:34:14
